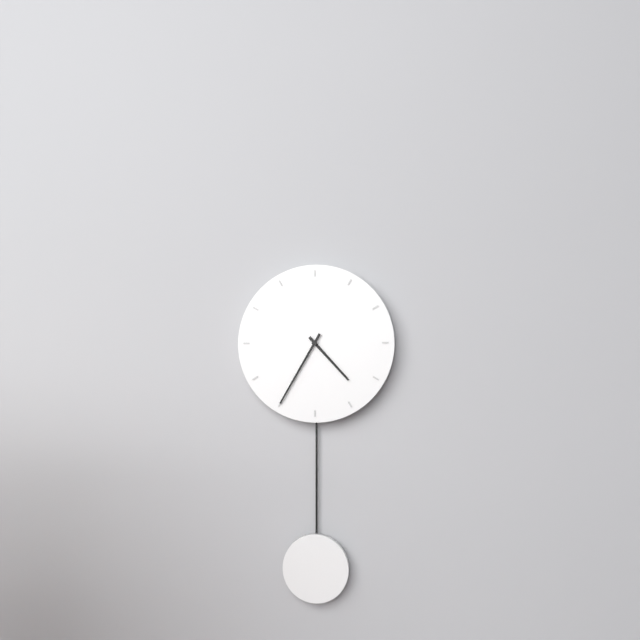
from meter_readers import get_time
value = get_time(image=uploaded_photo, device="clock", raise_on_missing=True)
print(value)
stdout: 4:35
